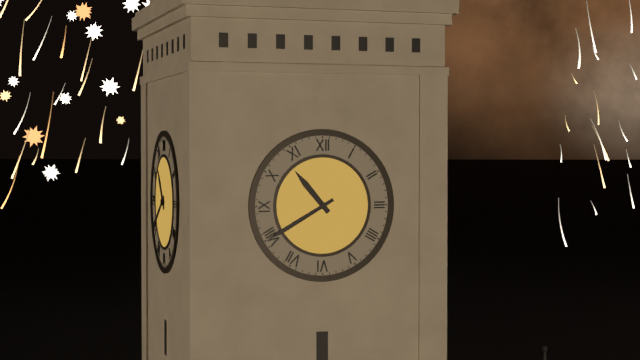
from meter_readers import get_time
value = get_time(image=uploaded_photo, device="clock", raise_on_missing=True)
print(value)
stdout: 10:40
